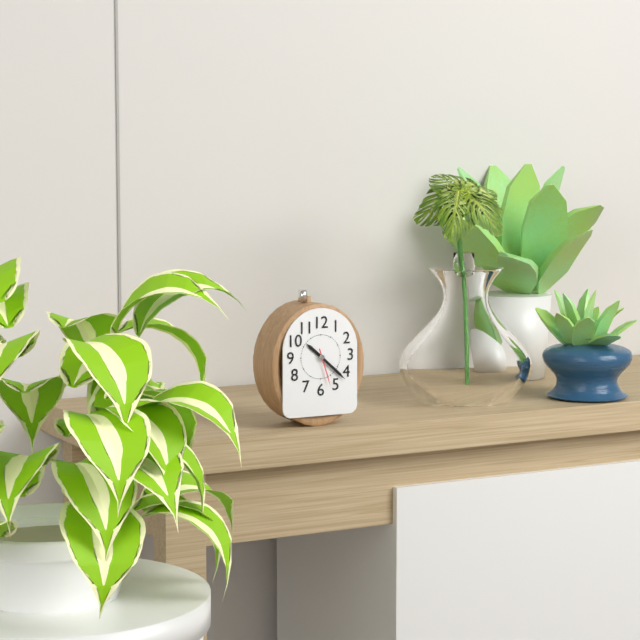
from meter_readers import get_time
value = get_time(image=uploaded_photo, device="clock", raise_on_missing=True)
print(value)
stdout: 10:22
